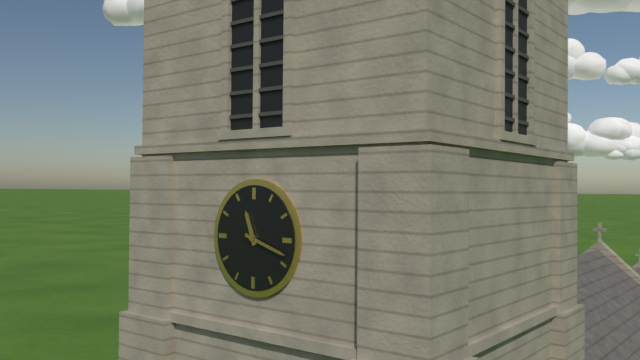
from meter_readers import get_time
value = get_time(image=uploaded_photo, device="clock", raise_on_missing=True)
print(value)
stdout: 11:18
